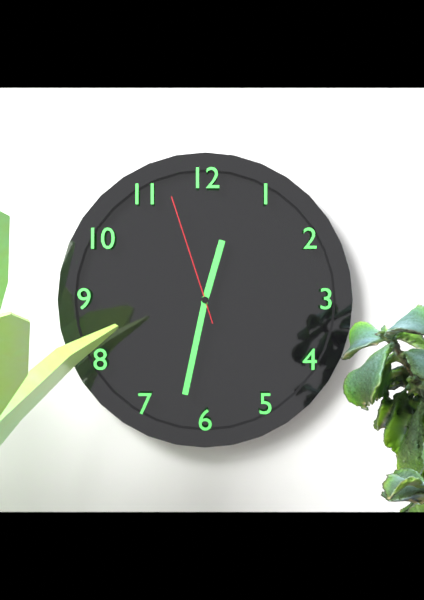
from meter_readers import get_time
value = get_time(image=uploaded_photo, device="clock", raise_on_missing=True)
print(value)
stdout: 12:32:57
